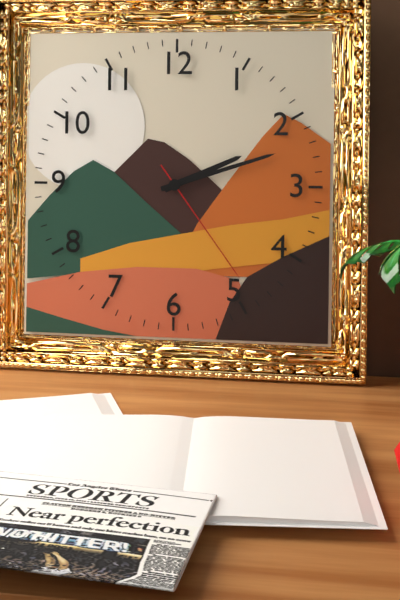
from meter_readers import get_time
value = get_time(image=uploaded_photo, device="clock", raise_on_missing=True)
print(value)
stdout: 2:12:24
